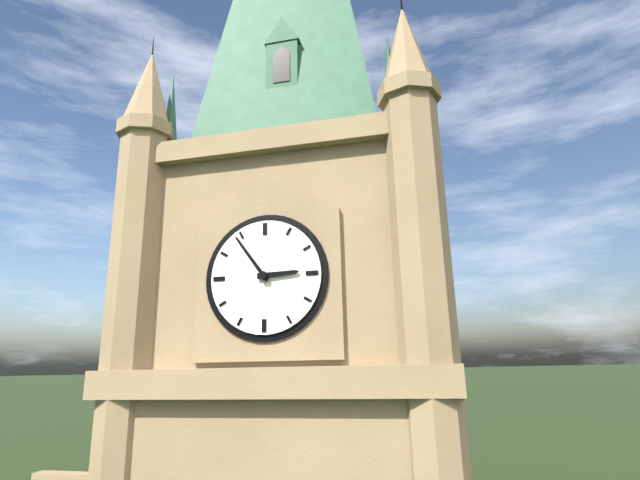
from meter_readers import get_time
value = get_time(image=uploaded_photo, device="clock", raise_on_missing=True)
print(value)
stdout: 2:54
